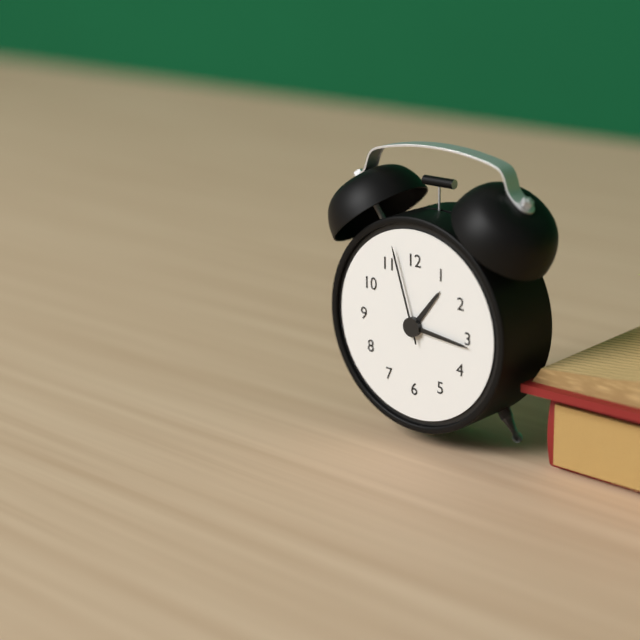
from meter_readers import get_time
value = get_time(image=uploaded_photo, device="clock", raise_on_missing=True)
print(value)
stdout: 1:16:57
